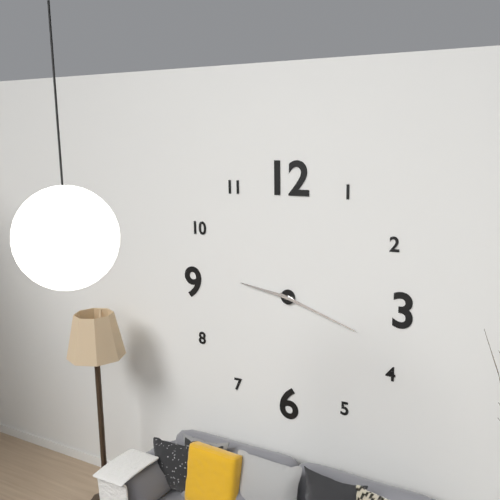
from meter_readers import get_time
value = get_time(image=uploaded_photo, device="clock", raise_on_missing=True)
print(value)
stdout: 9:18
